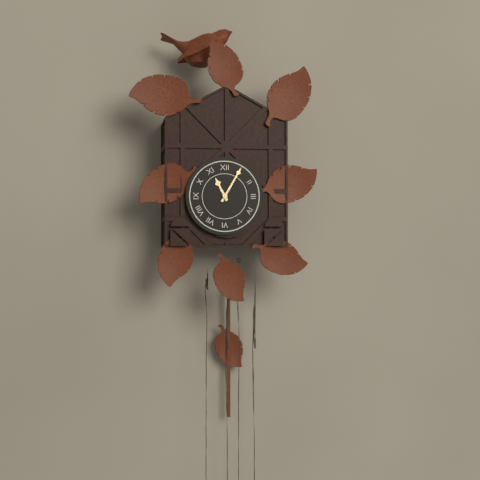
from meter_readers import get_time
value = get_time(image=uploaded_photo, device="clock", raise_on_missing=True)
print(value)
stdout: 11:05
